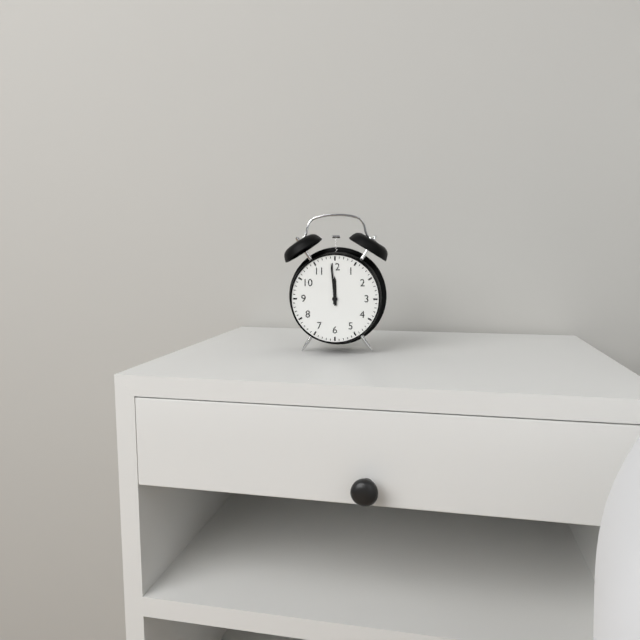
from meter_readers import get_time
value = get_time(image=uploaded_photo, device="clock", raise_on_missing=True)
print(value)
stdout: 11:59
